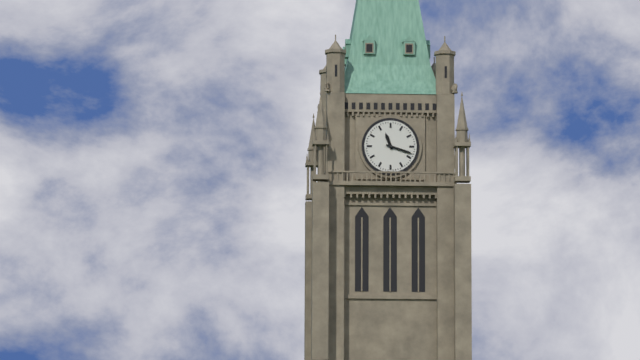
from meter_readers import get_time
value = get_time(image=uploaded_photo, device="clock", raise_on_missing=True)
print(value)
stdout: 11:18
